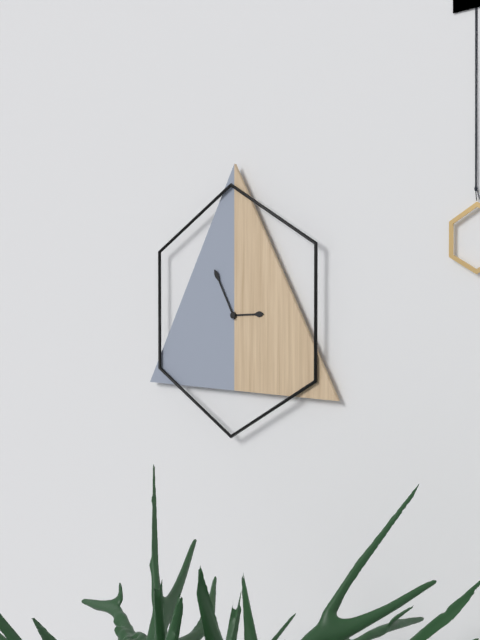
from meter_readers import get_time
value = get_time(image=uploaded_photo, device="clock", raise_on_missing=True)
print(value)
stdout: 2:55
